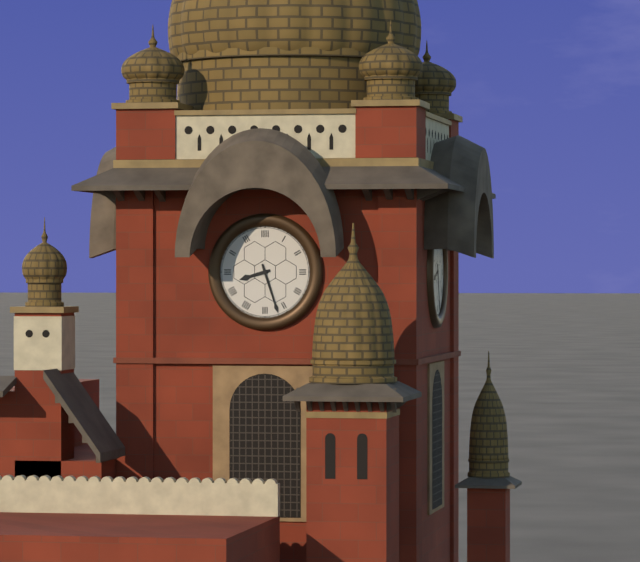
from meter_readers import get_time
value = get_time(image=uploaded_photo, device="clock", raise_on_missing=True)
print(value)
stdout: 8:27
